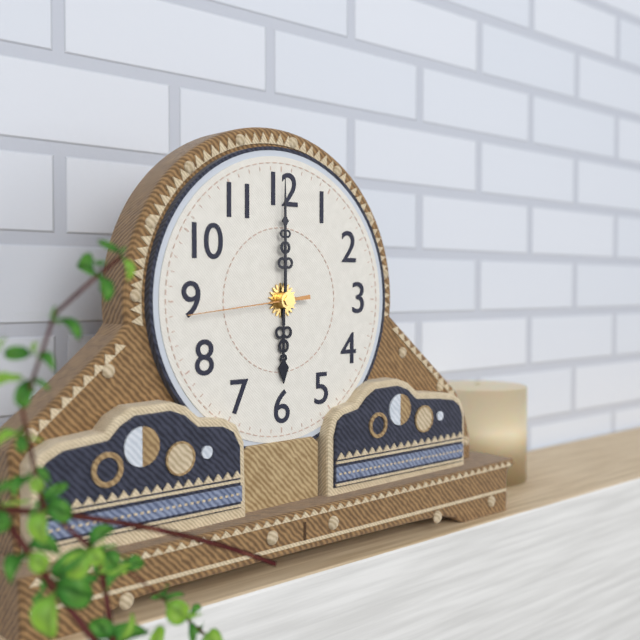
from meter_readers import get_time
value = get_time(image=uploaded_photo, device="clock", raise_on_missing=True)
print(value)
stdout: 6:00:44
